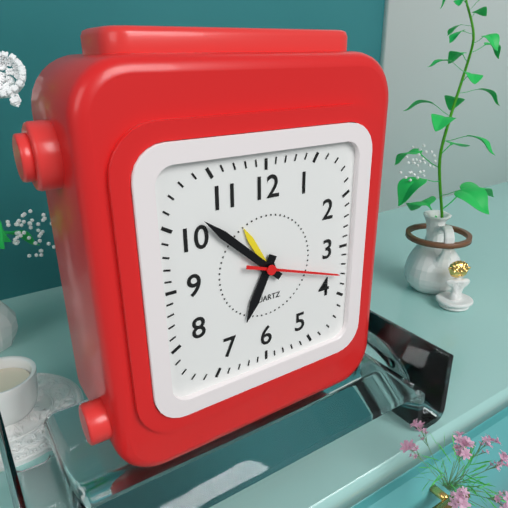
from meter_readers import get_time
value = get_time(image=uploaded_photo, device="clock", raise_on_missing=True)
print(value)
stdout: 6:52:18
